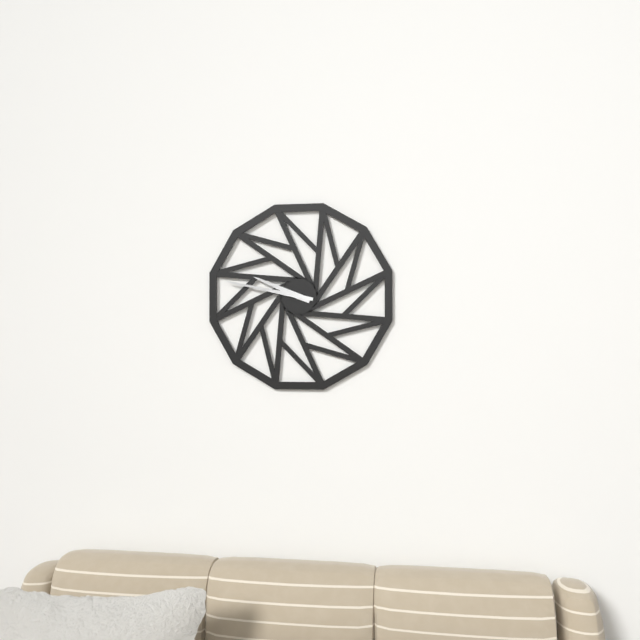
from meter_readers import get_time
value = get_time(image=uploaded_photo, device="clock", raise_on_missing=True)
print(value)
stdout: 9:47
